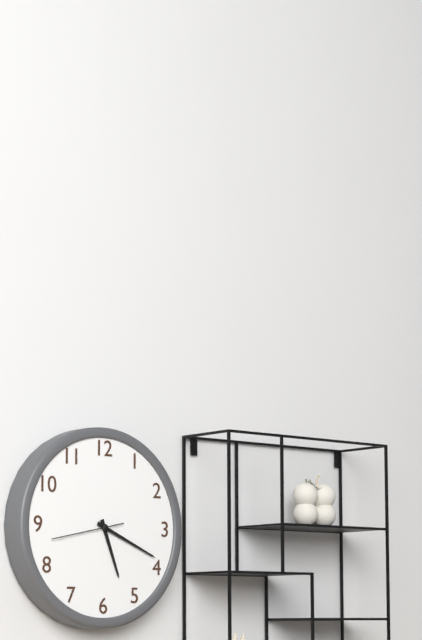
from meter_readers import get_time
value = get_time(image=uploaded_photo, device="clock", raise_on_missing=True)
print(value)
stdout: 5:19:43
